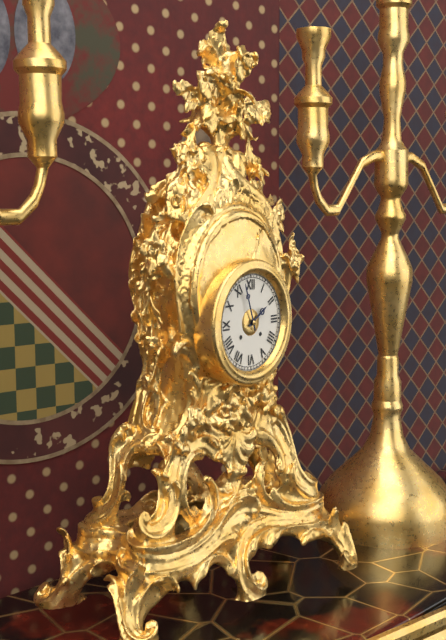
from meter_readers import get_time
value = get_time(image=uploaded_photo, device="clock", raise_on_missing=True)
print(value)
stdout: 1:57
